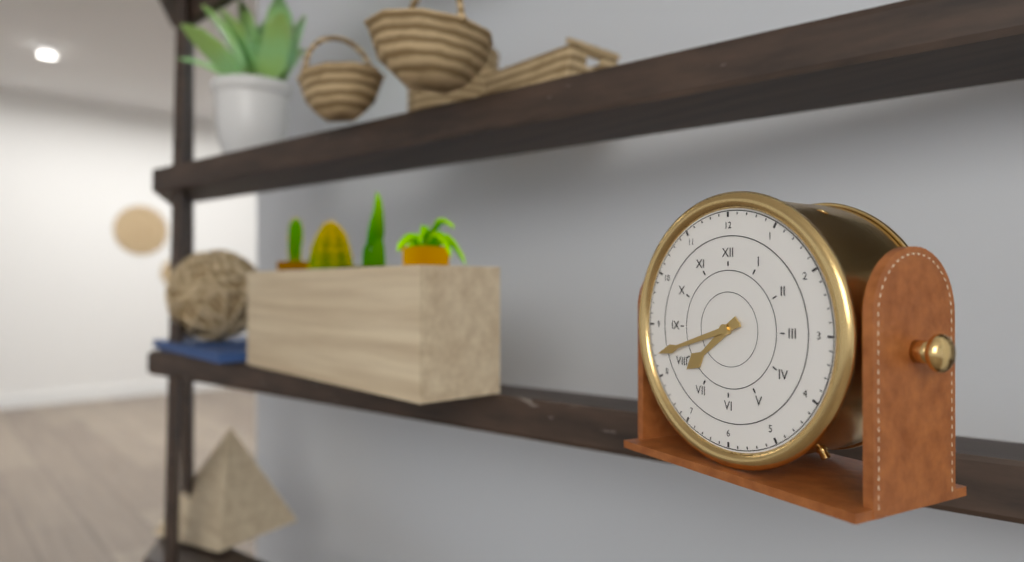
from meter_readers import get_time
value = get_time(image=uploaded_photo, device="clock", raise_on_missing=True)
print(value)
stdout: 7:42
